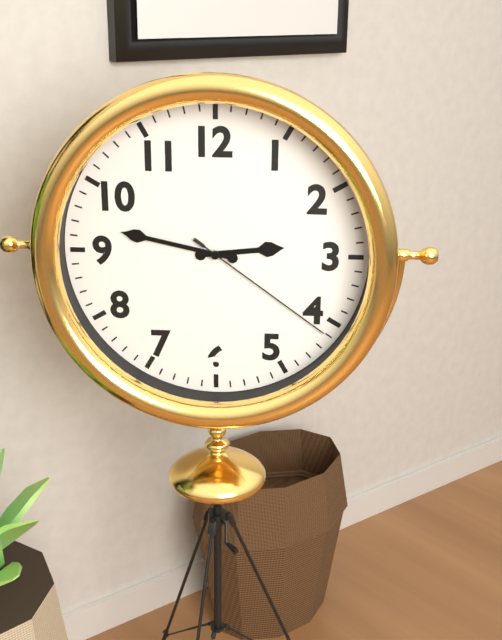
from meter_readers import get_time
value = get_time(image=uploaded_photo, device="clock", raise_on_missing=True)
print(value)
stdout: 2:47:21
